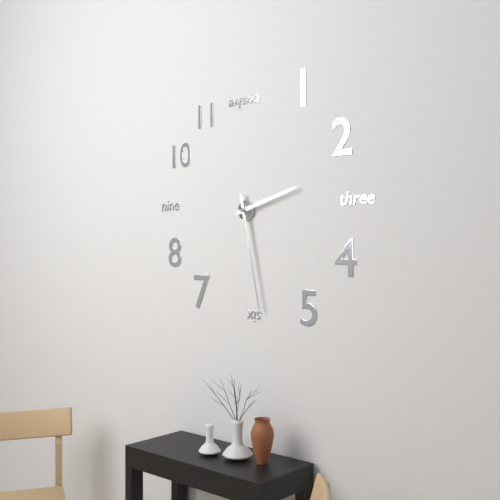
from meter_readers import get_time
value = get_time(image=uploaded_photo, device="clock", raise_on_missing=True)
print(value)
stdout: 2:28
